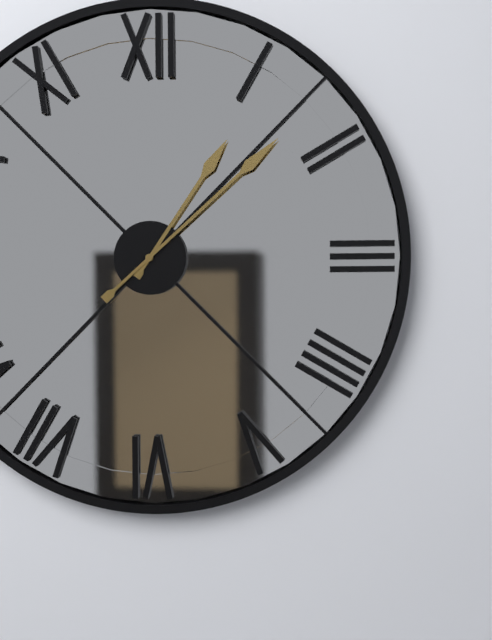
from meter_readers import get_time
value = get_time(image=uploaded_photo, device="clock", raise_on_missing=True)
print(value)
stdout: 1:08
